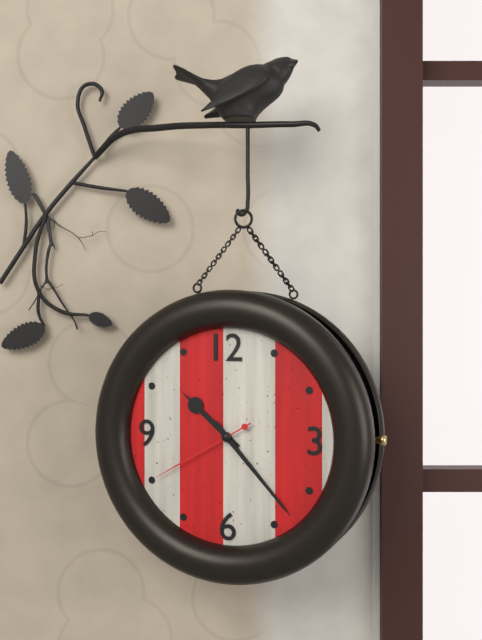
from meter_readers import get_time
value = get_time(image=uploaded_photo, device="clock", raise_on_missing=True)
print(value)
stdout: 10:23:40
